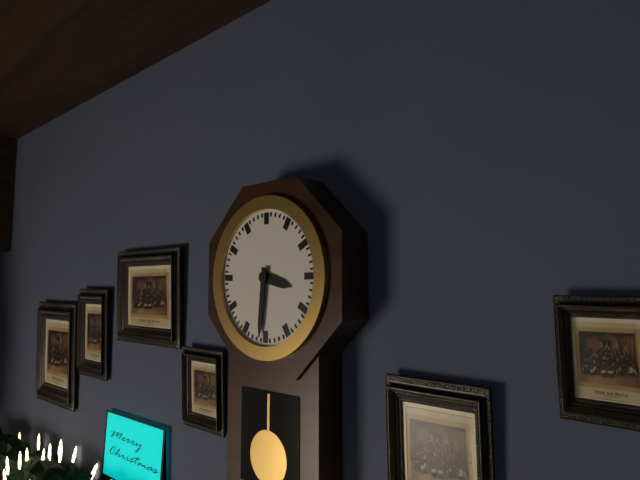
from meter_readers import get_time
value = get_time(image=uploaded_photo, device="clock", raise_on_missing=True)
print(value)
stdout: 3:31
